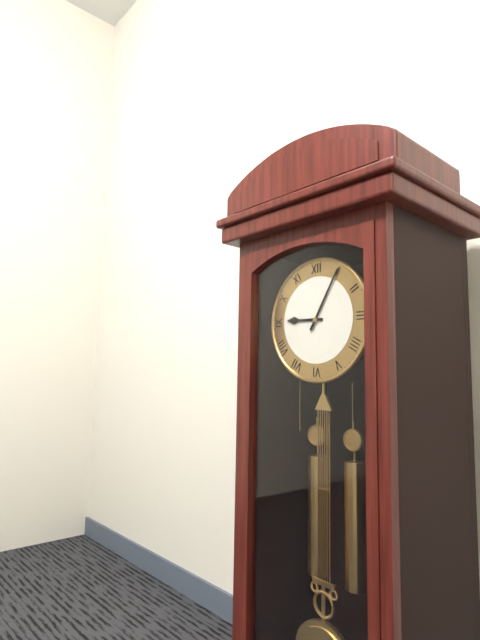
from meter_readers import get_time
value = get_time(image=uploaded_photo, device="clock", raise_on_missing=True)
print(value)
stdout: 9:05
